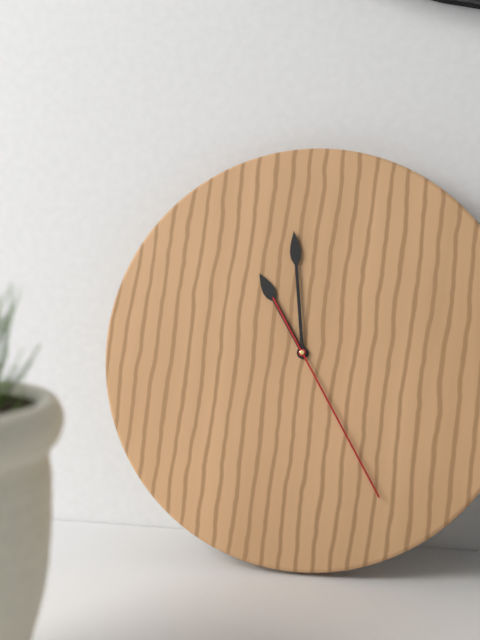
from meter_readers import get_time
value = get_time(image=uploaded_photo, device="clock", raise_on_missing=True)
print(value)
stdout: 10:59:25
